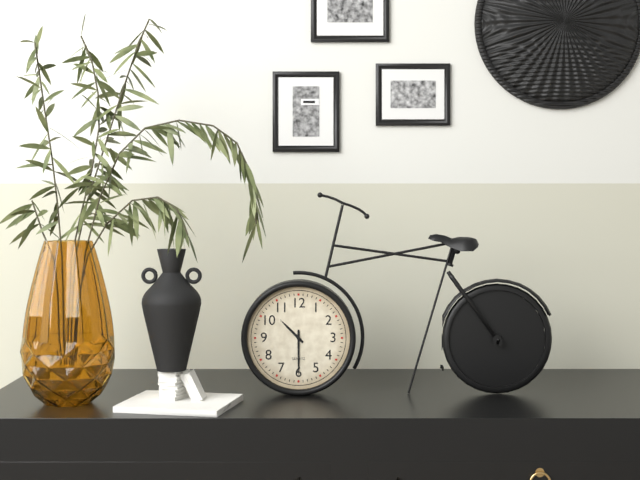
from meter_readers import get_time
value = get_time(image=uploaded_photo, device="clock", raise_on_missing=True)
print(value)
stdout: 10:30
